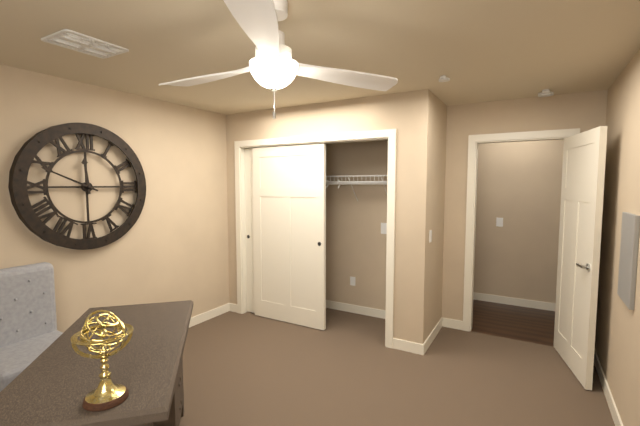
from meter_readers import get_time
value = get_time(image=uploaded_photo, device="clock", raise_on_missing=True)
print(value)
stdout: 11:49
